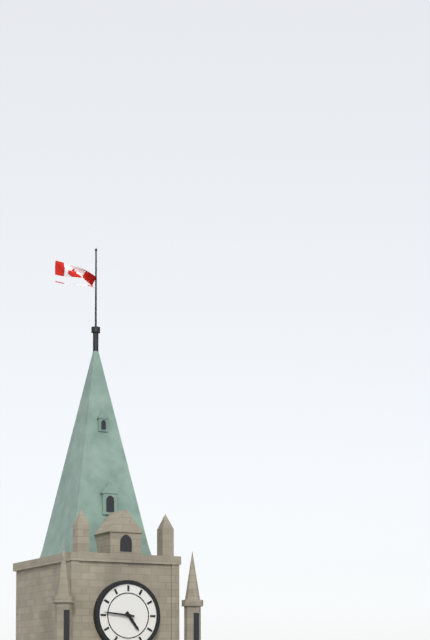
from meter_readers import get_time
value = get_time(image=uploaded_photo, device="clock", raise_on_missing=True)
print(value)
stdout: 4:46
